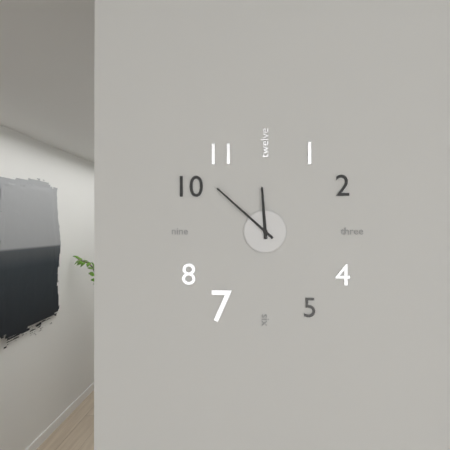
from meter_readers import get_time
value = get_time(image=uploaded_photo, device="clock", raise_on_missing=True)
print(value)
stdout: 11:52
